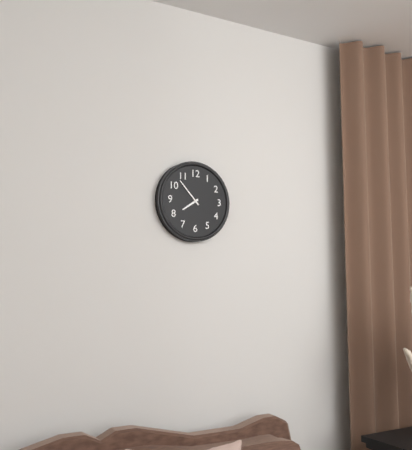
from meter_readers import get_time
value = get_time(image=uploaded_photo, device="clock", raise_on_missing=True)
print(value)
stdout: 7:53
